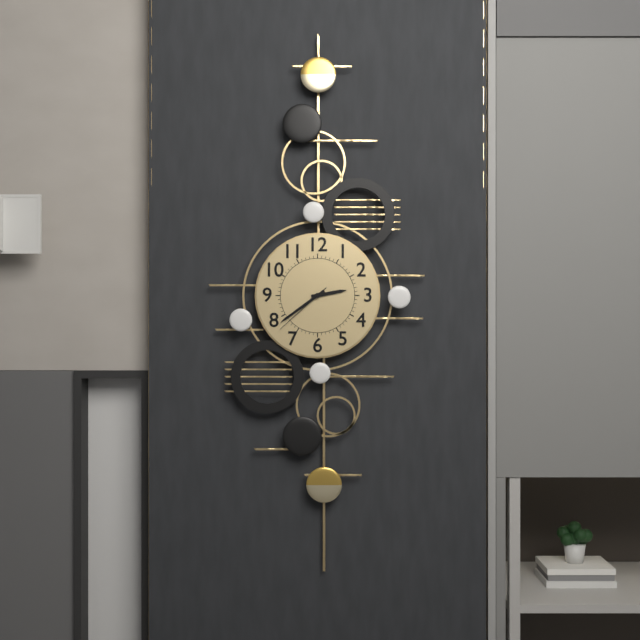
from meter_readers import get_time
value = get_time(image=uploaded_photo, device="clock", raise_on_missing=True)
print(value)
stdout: 2:39:38
